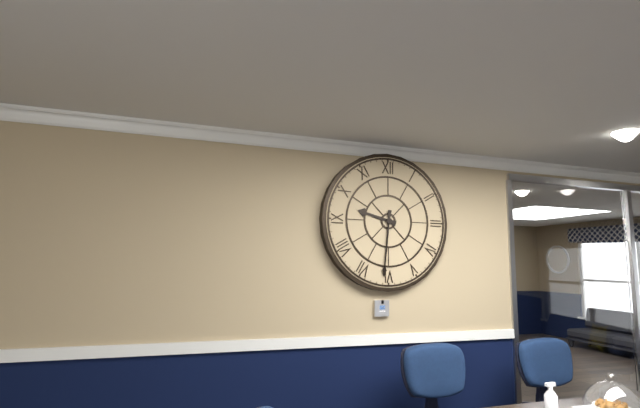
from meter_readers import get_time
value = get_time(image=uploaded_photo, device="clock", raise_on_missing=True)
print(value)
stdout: 9:31
